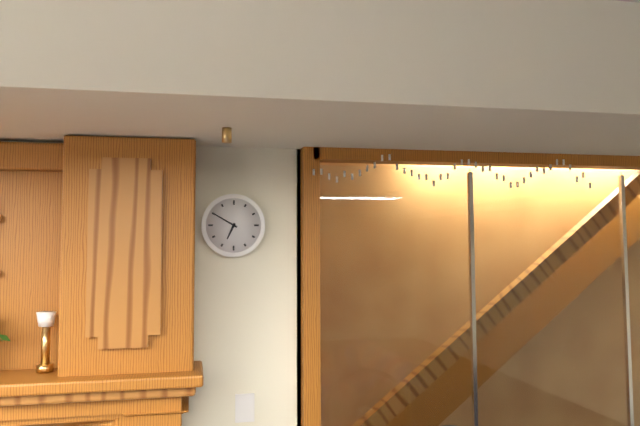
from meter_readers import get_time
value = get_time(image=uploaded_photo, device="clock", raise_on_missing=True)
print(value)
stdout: 6:50
